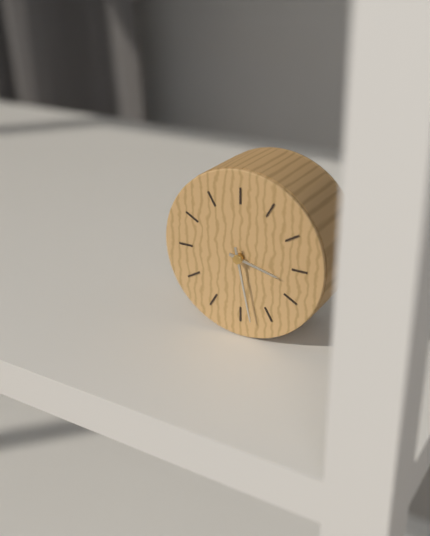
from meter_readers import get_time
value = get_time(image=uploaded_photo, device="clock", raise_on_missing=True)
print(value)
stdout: 3:28
